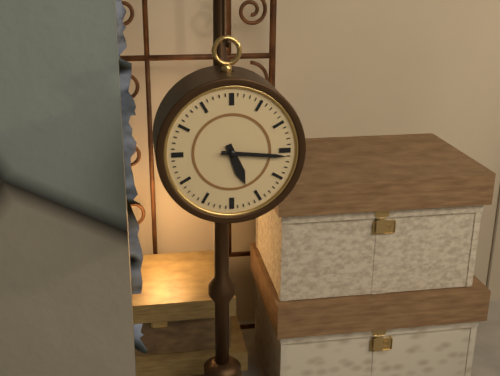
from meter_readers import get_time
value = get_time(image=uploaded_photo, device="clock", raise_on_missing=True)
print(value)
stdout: 5:16
